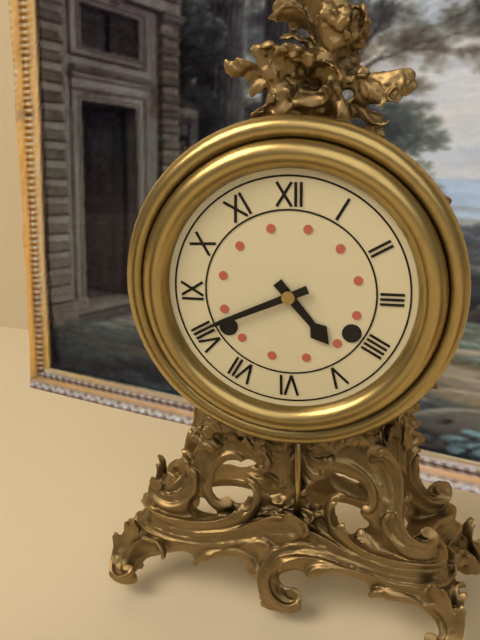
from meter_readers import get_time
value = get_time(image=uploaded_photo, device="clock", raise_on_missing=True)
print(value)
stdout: 4:41
